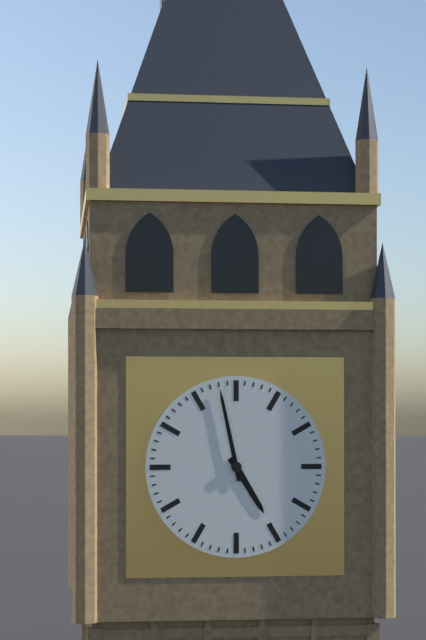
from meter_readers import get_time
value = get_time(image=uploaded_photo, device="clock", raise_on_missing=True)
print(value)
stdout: 4:58
